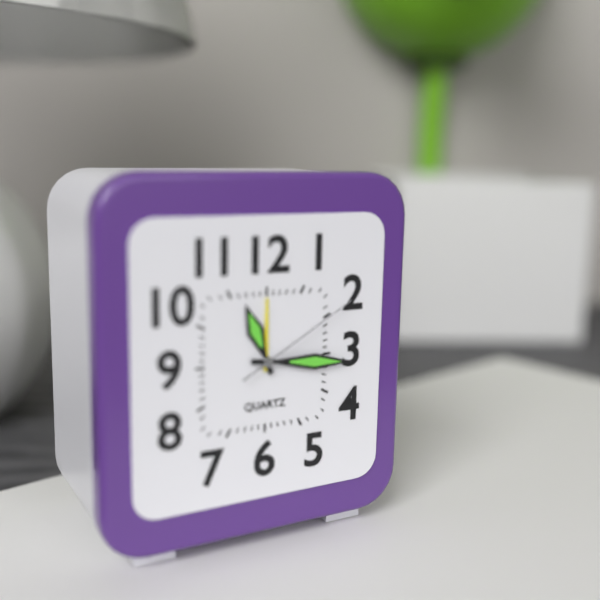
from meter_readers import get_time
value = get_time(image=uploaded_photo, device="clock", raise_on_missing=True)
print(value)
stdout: 11:16:10
